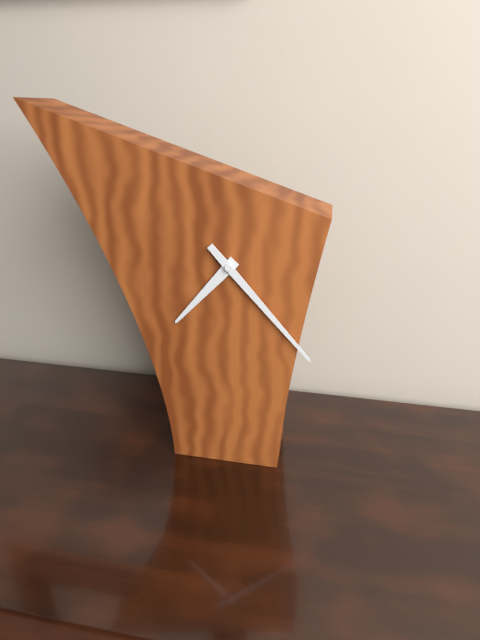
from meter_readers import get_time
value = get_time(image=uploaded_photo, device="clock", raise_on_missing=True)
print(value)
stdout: 7:23
